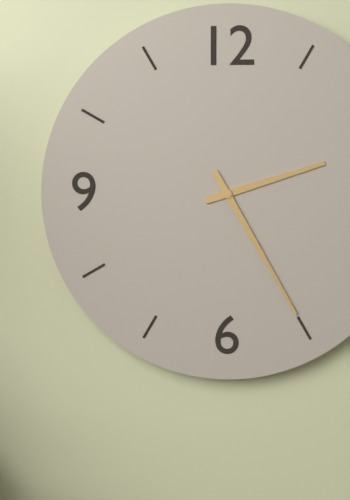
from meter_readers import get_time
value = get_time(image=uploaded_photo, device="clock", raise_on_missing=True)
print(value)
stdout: 2:25
